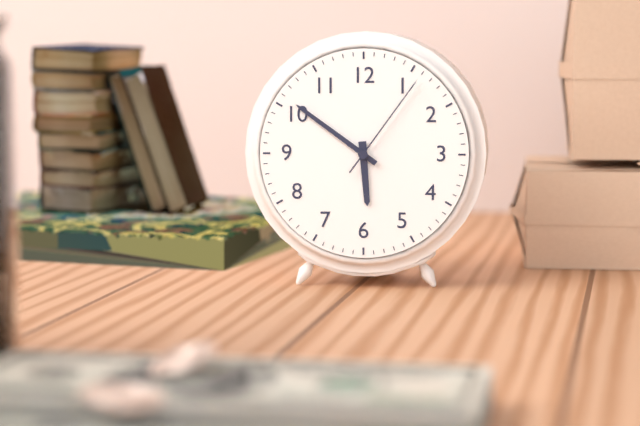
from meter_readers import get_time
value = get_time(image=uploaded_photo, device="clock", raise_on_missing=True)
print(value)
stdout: 5:51:06
